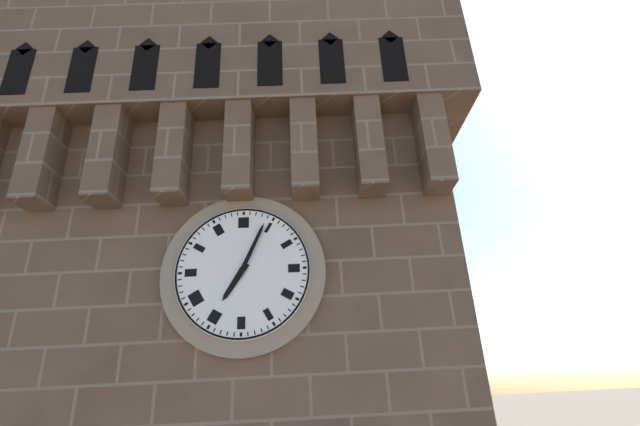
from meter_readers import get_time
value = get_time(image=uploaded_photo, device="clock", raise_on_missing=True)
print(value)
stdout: 7:04
